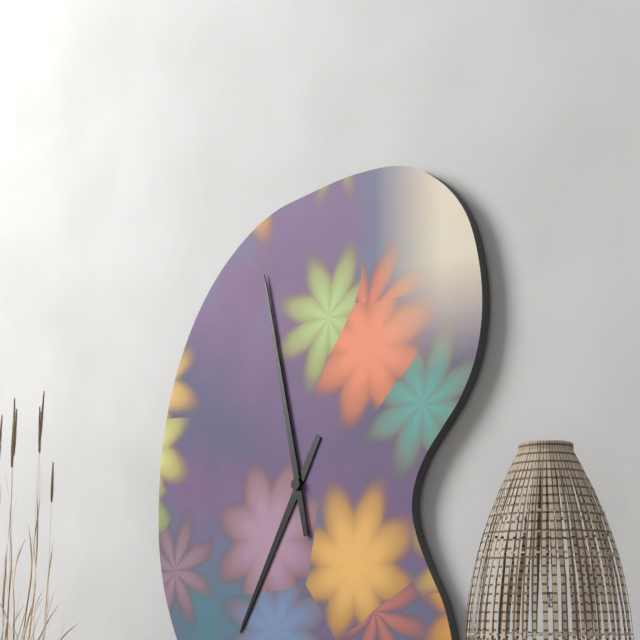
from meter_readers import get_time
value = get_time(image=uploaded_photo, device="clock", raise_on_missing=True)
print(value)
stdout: 6:58
